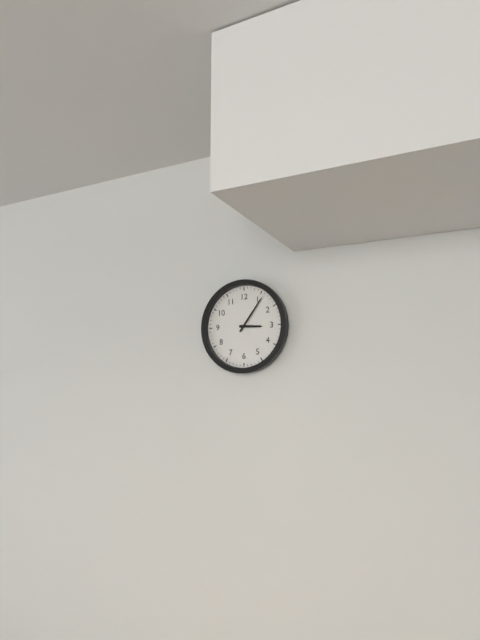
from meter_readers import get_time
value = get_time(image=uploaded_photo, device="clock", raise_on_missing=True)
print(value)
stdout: 3:06
